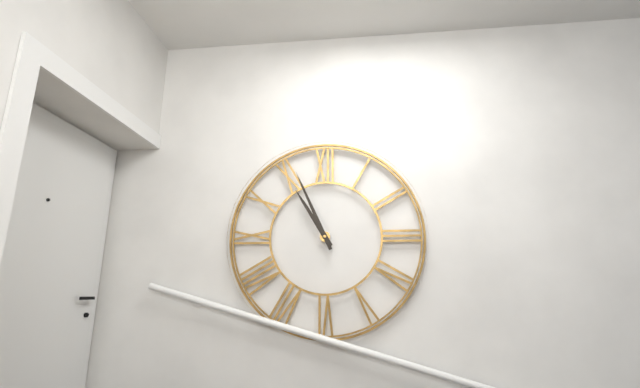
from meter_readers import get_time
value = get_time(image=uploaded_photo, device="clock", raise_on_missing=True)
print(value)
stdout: 10:56
